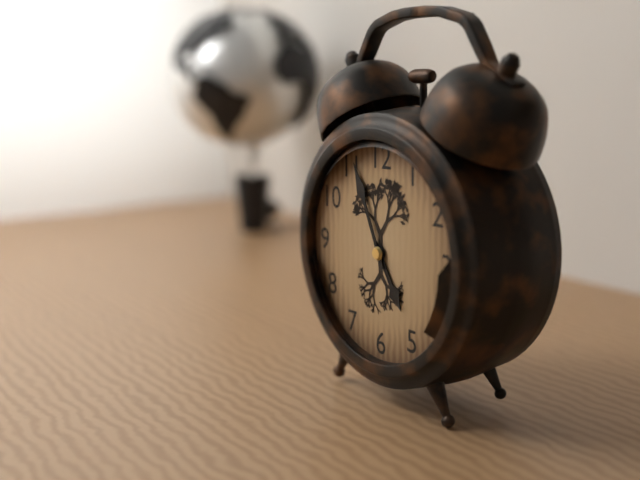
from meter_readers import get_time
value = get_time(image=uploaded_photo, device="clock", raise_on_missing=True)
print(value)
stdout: 4:56
